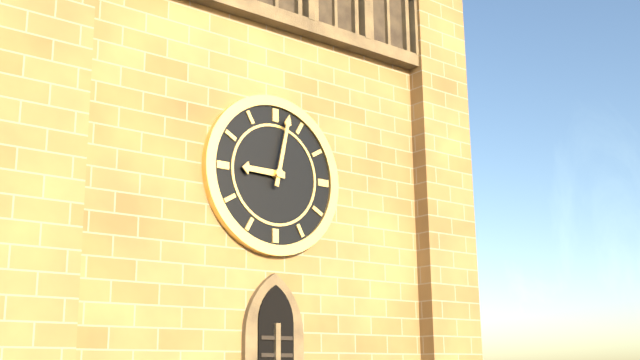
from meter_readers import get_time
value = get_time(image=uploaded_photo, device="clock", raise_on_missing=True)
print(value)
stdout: 9:02
